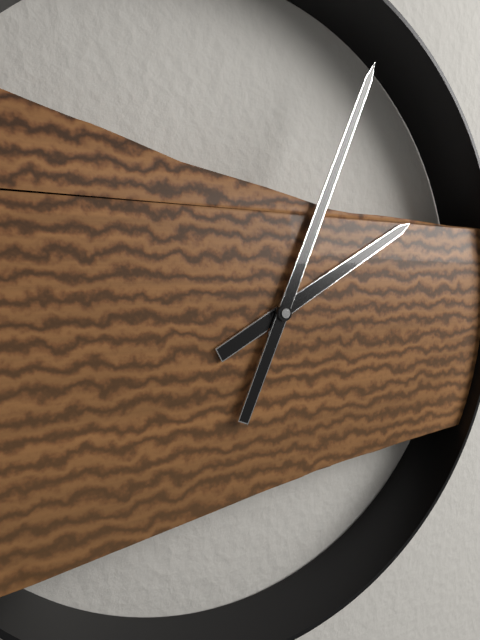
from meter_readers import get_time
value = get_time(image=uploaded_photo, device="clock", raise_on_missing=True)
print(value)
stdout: 2:04
